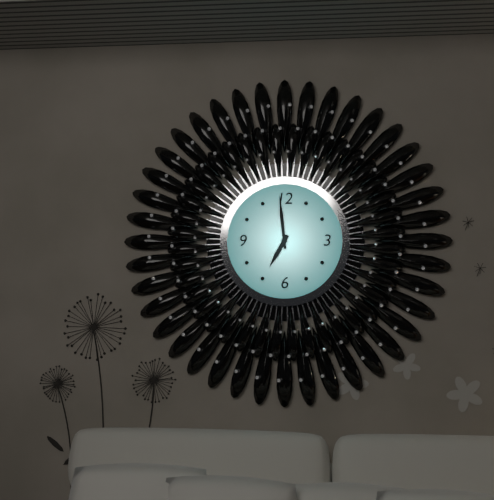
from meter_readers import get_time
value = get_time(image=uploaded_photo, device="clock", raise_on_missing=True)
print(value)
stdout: 6:59
